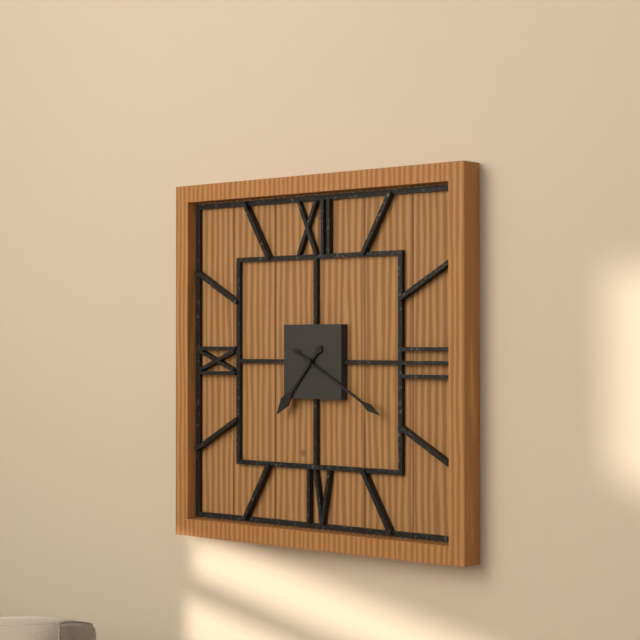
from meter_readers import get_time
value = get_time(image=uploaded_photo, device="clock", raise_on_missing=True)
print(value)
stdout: 7:20
